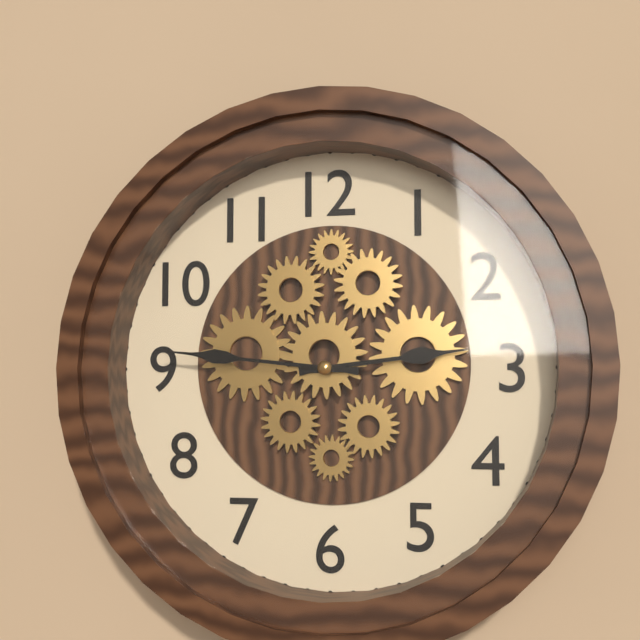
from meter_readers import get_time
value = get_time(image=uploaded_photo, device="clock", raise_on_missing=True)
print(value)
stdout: 2:46
